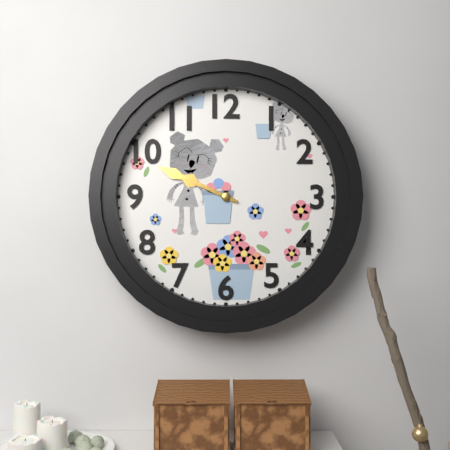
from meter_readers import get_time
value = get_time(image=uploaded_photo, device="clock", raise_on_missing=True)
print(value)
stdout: 9:49
